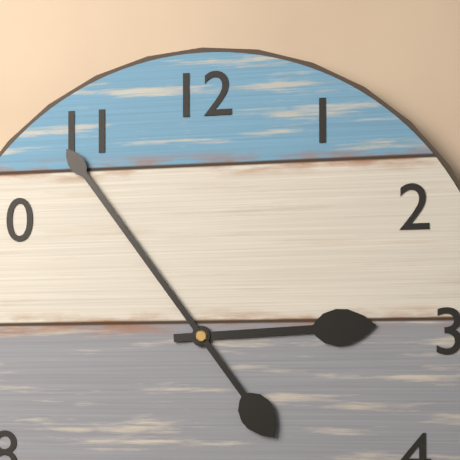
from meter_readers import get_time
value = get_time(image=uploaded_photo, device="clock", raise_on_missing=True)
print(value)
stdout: 2:54
